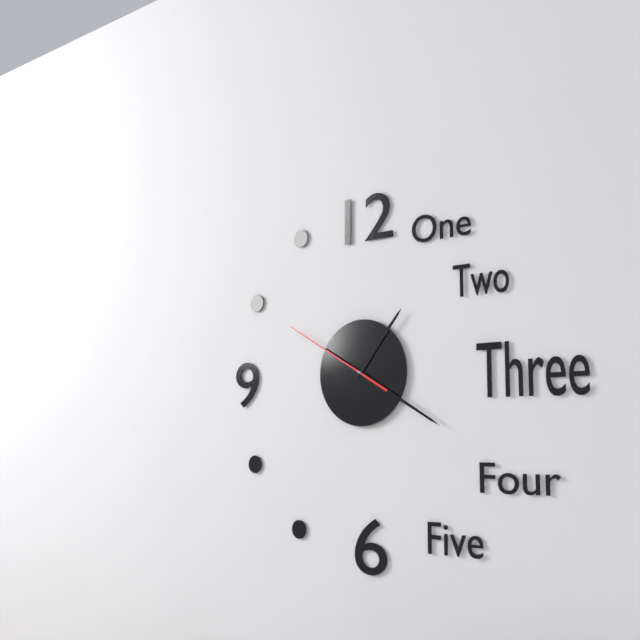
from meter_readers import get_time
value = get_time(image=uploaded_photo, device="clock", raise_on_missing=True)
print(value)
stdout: 1:20:50
